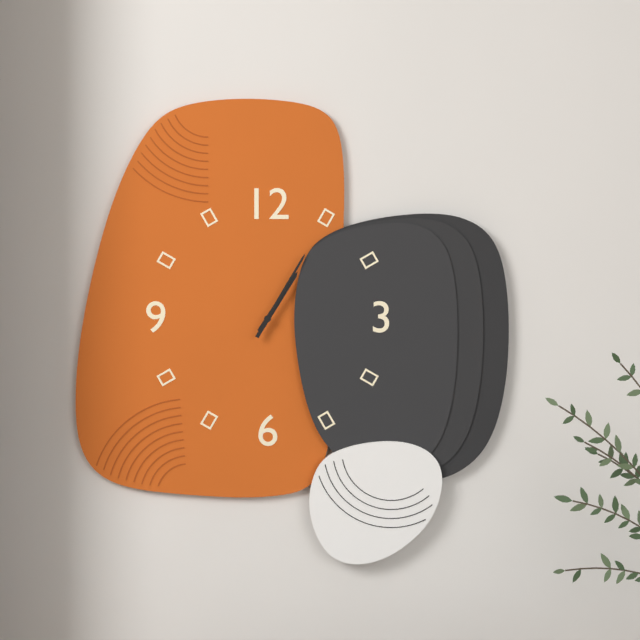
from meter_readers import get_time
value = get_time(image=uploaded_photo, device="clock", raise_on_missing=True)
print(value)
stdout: 1:05
